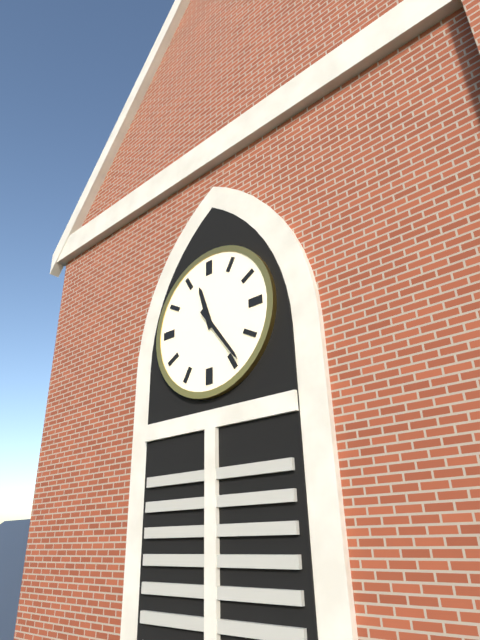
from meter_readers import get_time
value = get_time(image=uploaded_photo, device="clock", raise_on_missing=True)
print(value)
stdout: 11:24
